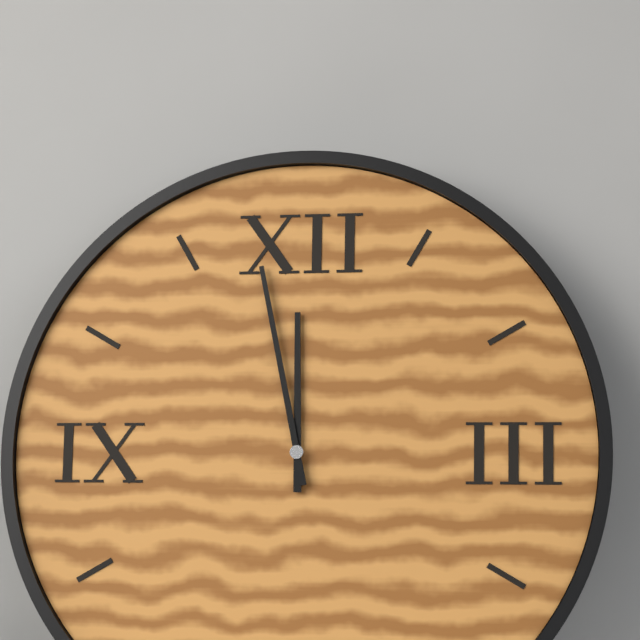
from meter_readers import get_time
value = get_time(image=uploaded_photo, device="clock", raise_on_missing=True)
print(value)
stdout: 11:58
